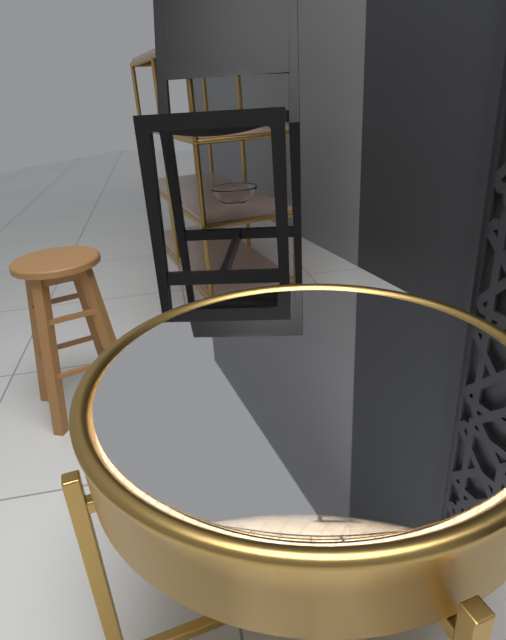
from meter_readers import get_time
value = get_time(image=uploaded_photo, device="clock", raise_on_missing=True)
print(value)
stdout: 3:00
